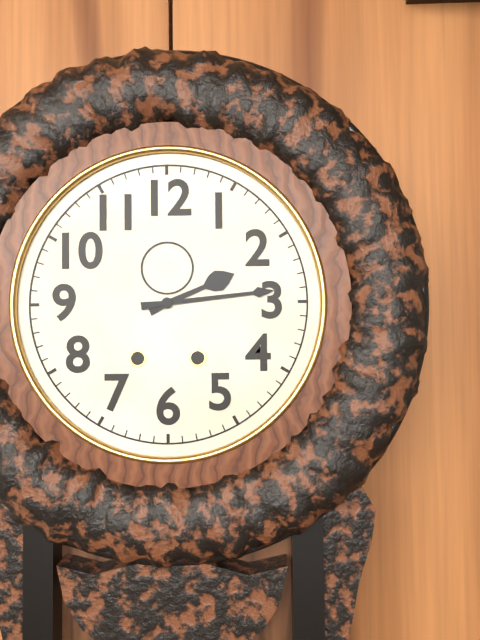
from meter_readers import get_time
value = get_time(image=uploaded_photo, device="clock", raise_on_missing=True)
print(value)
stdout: 2:14
